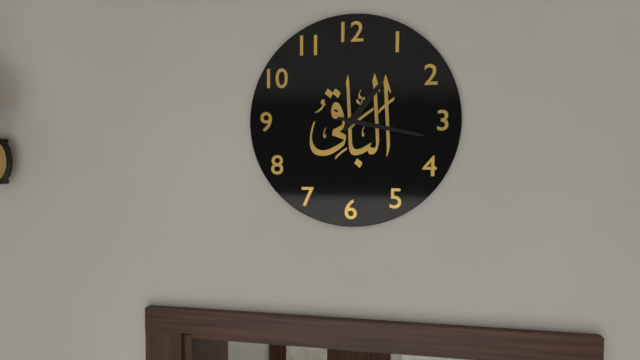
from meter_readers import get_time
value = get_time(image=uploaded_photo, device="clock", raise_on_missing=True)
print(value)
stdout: 1:17
